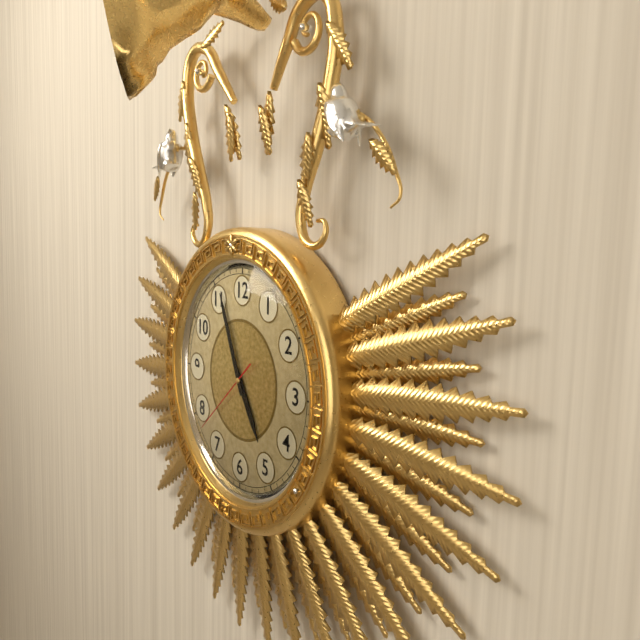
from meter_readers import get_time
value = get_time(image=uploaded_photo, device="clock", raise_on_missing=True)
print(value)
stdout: 4:56:38
